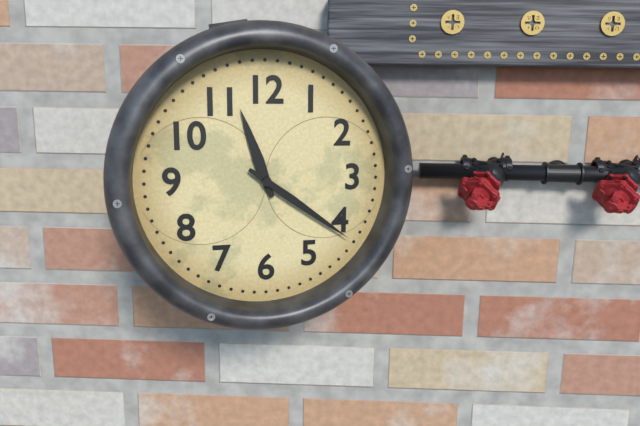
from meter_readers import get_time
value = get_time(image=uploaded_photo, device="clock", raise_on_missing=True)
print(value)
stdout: 11:21
